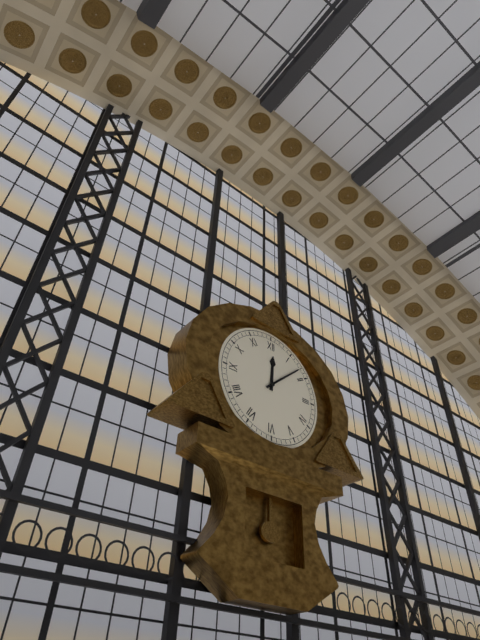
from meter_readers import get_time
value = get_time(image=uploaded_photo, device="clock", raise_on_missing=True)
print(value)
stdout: 12:08
